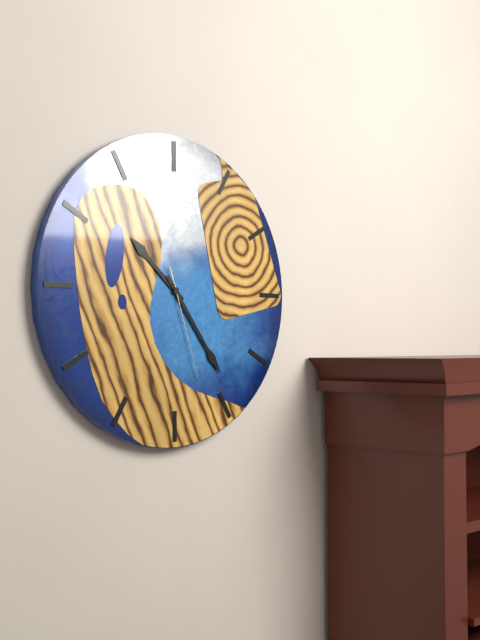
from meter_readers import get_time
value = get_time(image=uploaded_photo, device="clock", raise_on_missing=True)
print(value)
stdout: 10:24:27
